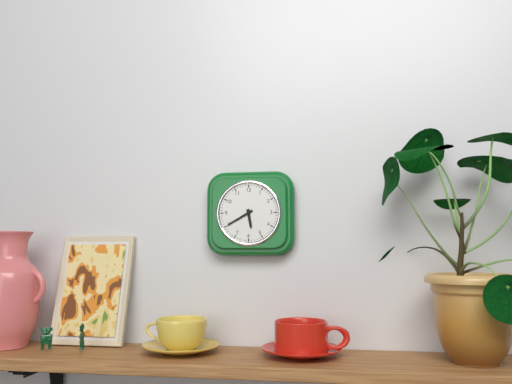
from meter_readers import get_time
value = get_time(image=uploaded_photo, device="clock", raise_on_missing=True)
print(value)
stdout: 5:40
